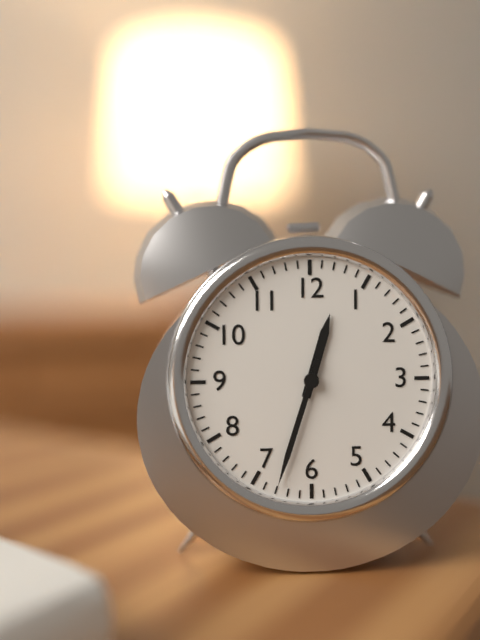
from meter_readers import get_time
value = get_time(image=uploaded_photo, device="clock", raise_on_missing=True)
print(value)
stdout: 12:33
